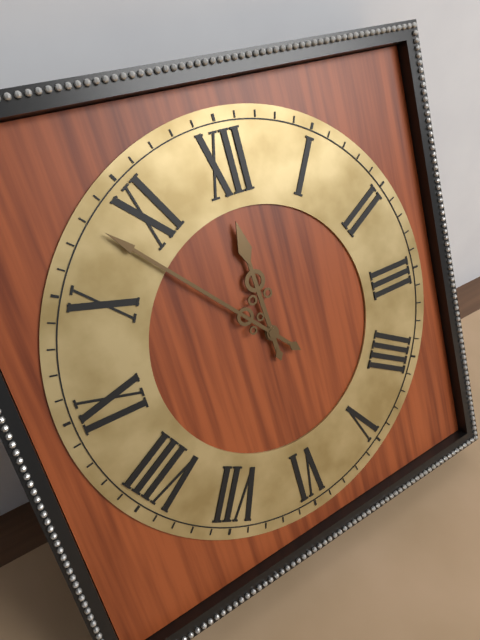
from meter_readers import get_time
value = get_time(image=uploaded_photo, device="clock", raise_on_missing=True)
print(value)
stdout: 11:53
